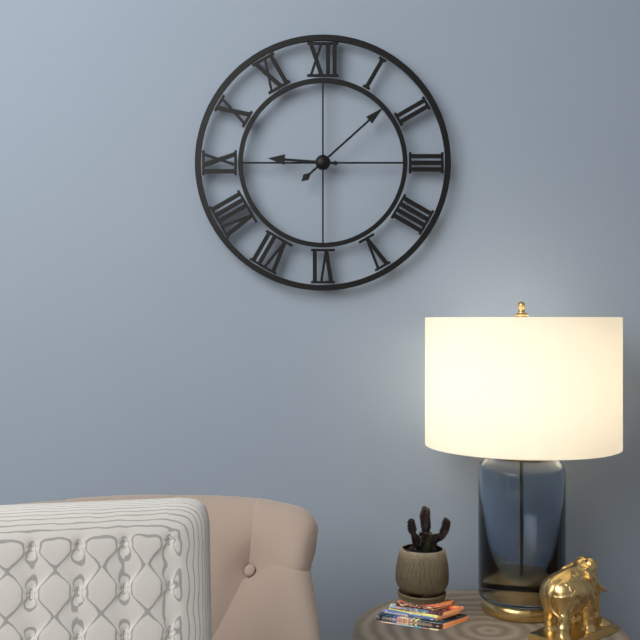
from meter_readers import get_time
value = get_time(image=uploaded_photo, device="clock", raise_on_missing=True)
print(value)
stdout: 9:08
